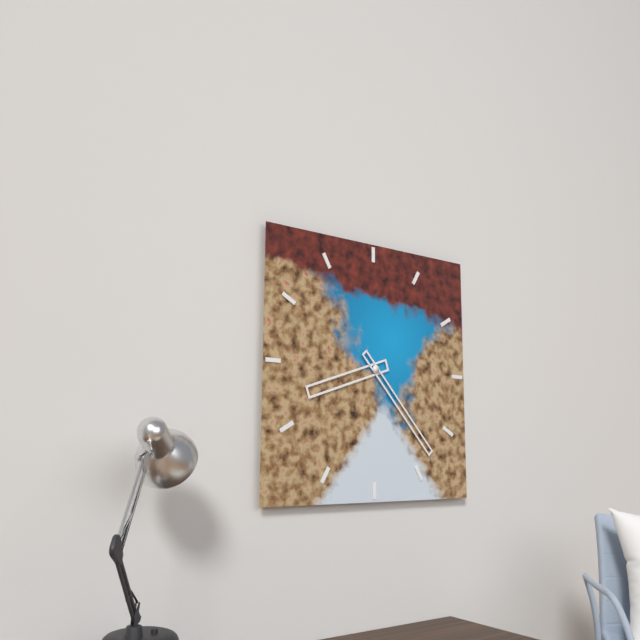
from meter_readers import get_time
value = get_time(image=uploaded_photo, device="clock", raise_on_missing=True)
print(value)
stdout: 8:23
